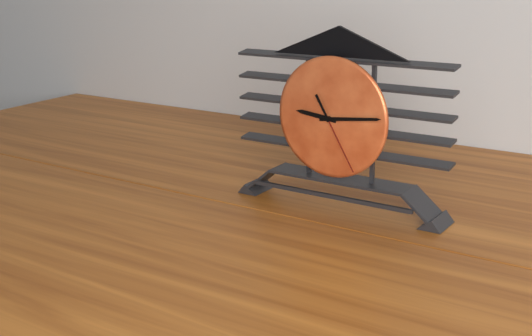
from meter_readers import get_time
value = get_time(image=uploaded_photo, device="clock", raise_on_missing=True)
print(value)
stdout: 9:14:25
